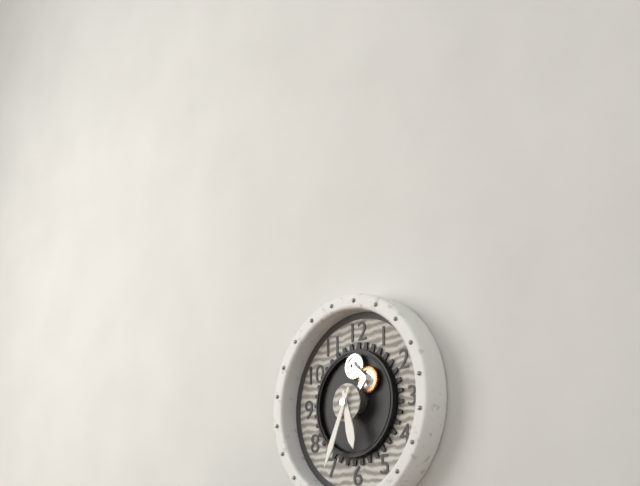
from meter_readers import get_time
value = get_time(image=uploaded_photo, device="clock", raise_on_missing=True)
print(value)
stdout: 5:34
